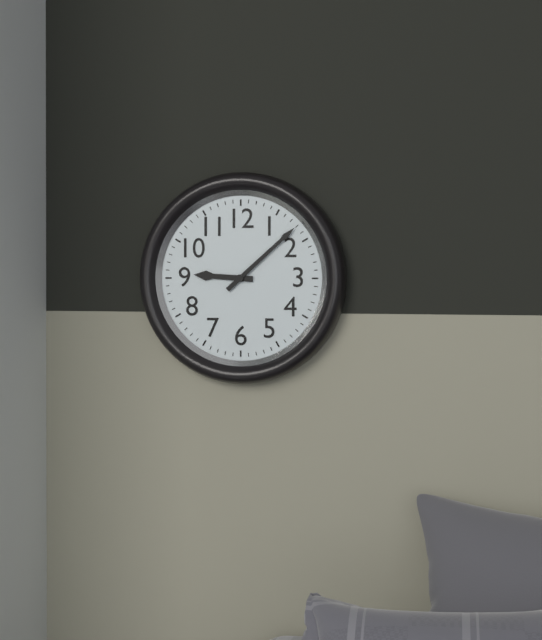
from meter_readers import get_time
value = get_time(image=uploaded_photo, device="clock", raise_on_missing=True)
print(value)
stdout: 9:08
